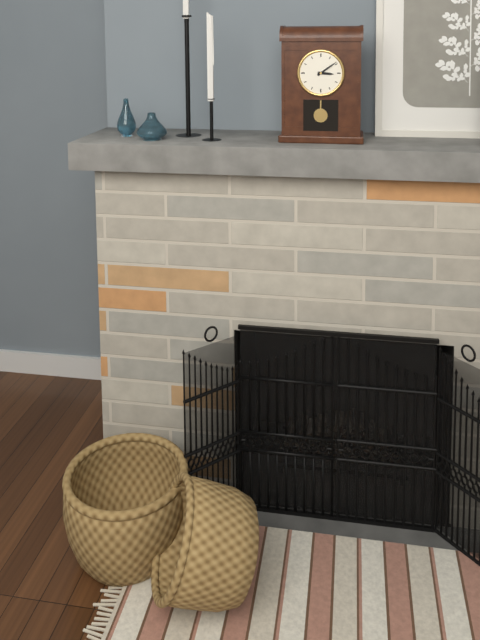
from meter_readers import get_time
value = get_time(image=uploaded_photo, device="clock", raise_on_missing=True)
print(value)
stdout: 3:09
